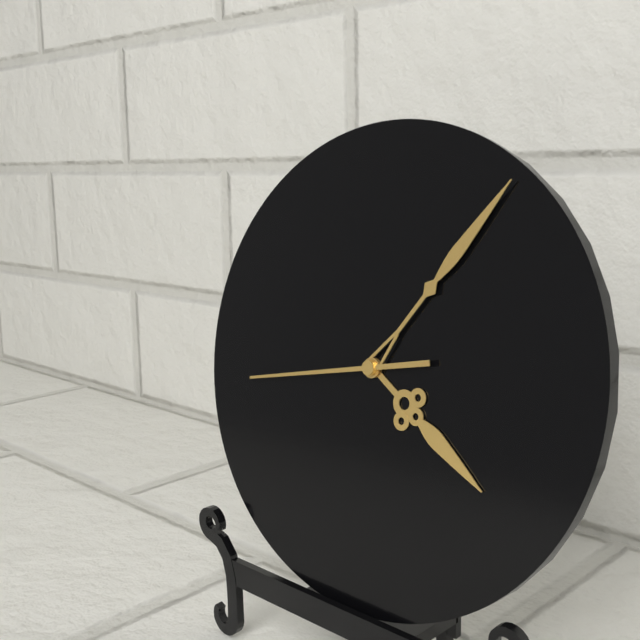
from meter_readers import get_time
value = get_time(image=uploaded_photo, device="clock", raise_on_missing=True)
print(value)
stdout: 4:06:43
